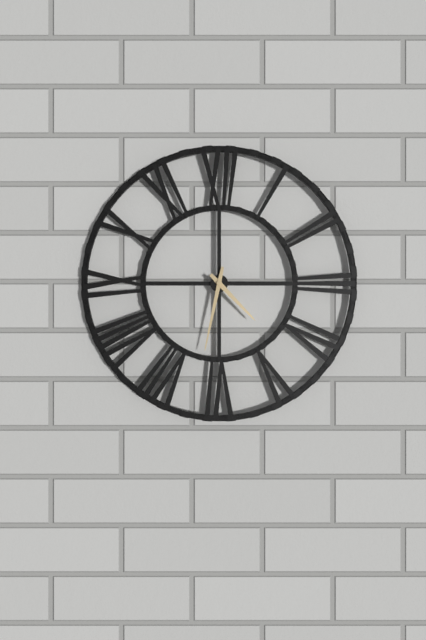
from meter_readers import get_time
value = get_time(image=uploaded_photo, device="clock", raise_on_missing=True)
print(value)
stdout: 4:32
